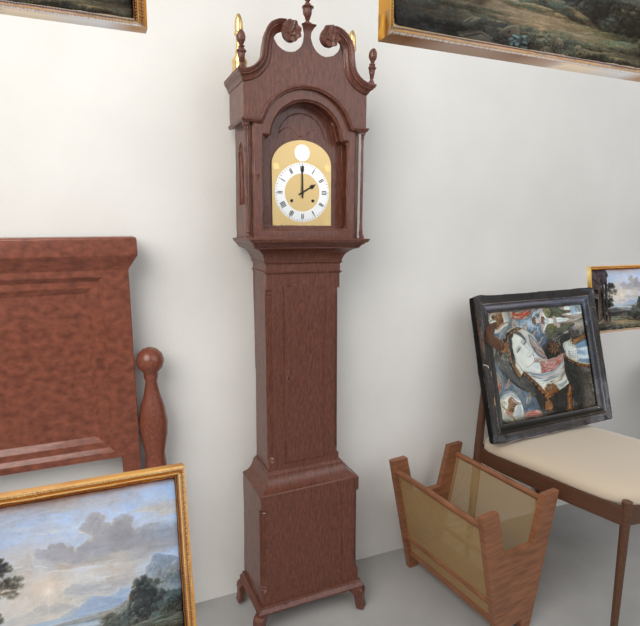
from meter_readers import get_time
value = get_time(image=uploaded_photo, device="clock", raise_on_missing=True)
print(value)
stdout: 2:00
